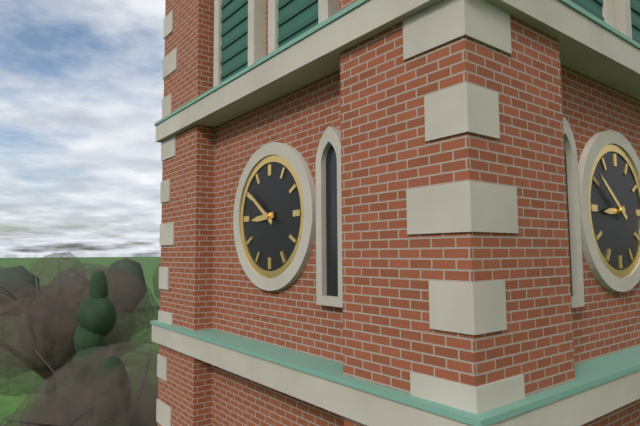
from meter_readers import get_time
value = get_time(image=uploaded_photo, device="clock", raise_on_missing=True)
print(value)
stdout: 8:51
